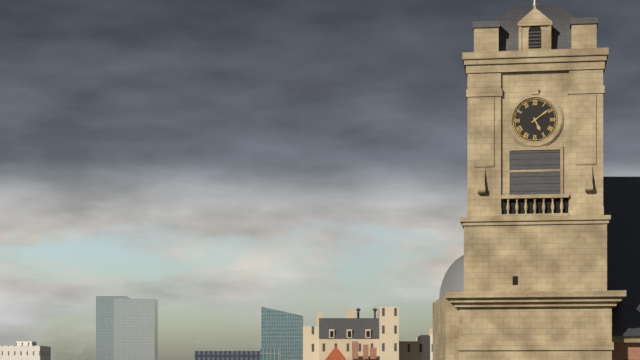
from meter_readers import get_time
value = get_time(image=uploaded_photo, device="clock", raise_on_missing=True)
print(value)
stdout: 5:09
